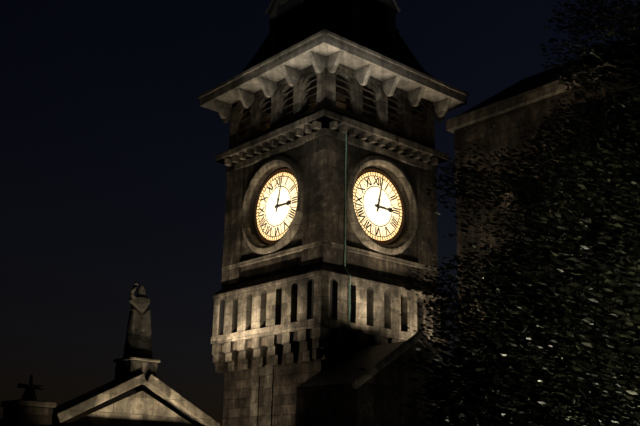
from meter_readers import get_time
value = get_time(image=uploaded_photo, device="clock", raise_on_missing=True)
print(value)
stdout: 3:02
